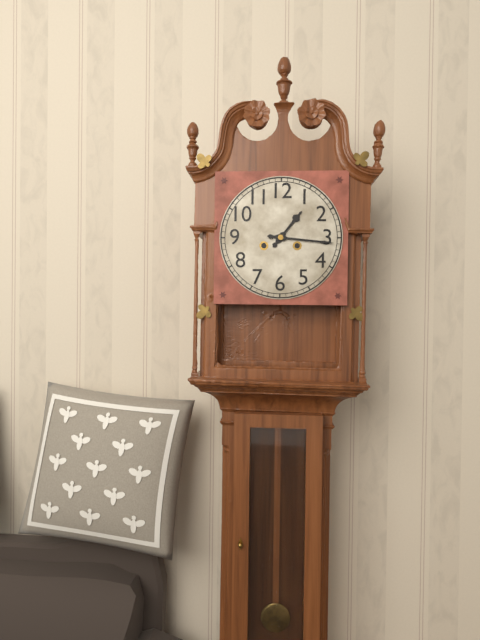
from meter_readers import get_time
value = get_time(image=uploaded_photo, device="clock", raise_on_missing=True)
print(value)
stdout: 1:16
